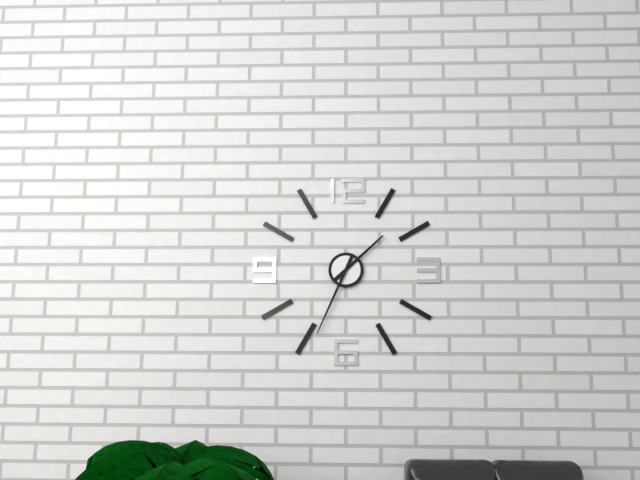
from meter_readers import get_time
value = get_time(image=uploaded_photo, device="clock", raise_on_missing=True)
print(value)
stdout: 1:34
